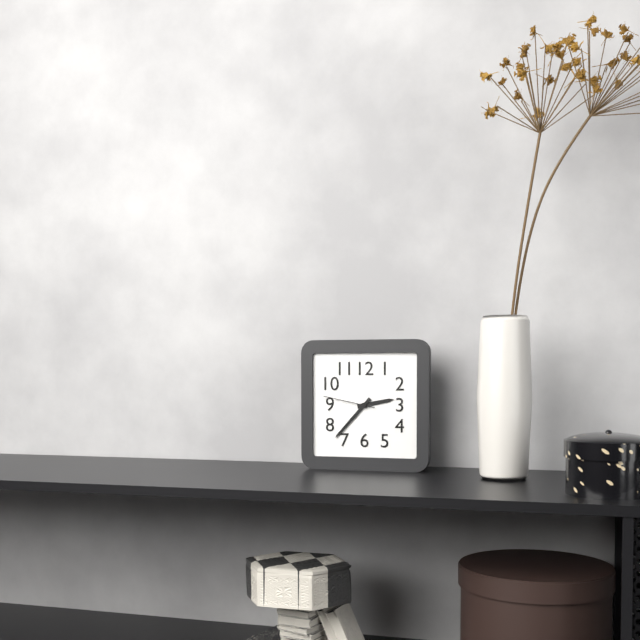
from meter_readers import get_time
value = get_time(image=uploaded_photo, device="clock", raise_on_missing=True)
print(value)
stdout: 2:37:47
